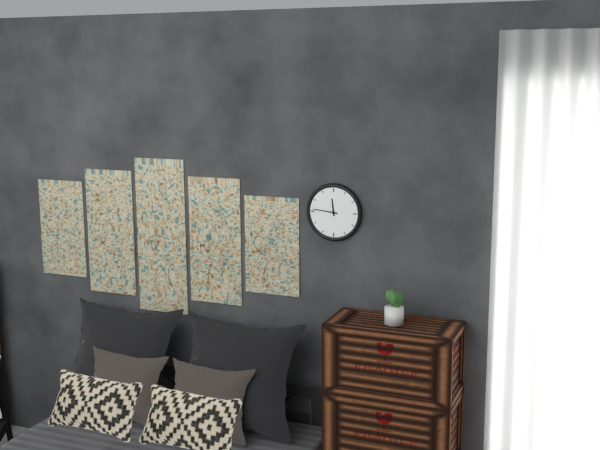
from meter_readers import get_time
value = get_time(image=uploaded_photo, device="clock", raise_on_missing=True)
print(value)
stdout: 11:46
